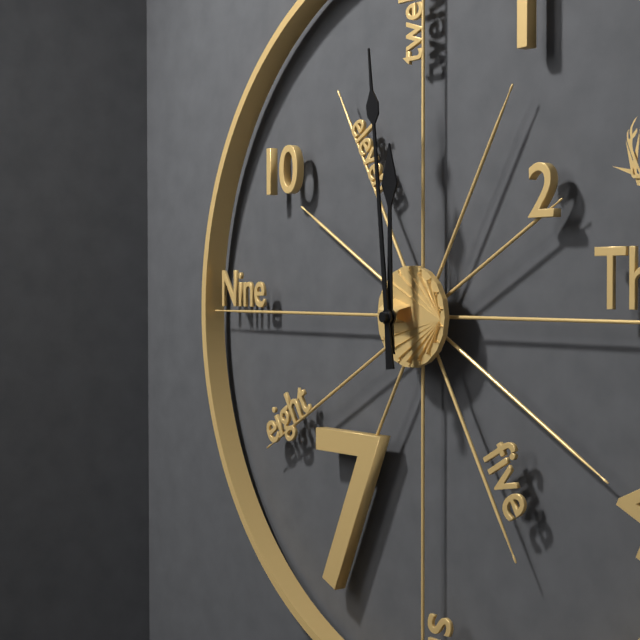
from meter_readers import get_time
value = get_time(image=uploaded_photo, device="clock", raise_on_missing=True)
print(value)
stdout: 11:59
